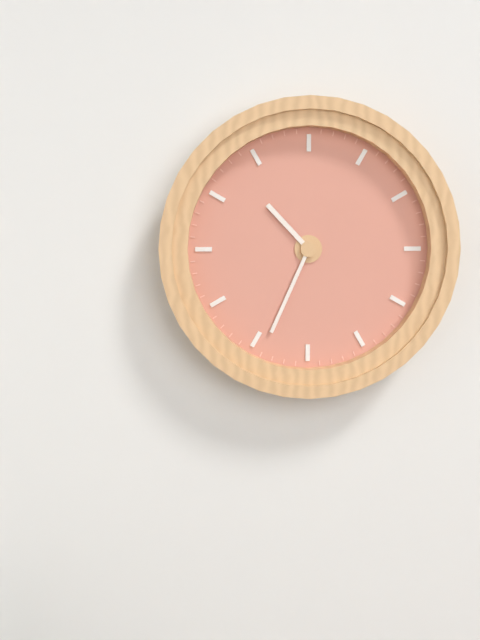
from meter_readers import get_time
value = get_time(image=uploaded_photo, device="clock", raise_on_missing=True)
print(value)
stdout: 10:34
